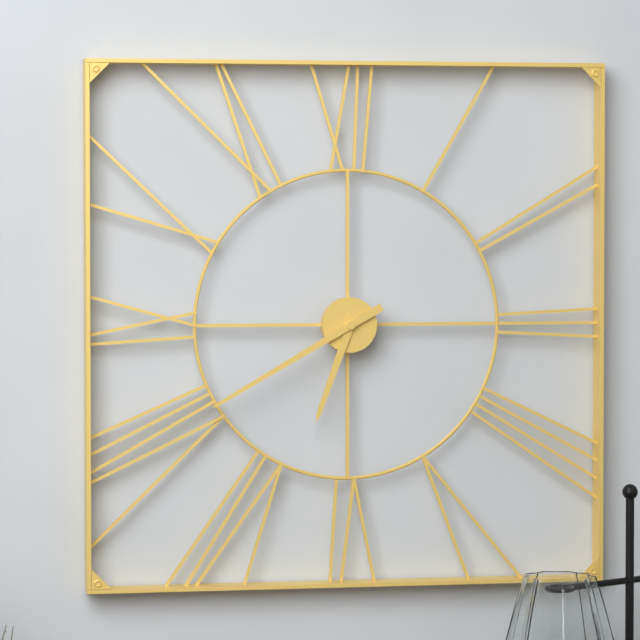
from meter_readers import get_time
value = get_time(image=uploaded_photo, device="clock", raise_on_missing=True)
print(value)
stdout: 6:40
